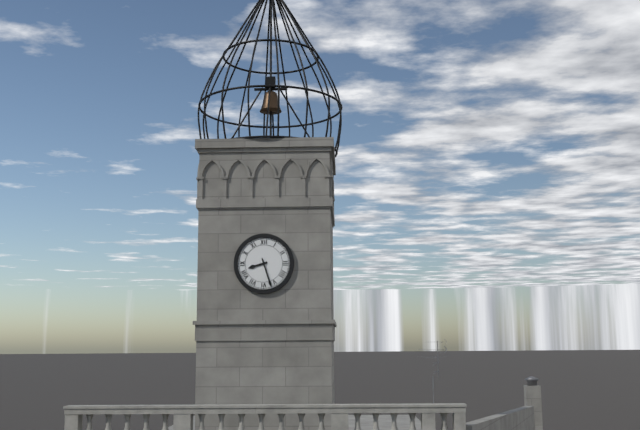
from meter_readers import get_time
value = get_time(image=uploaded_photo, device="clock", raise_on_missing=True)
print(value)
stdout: 8:27
